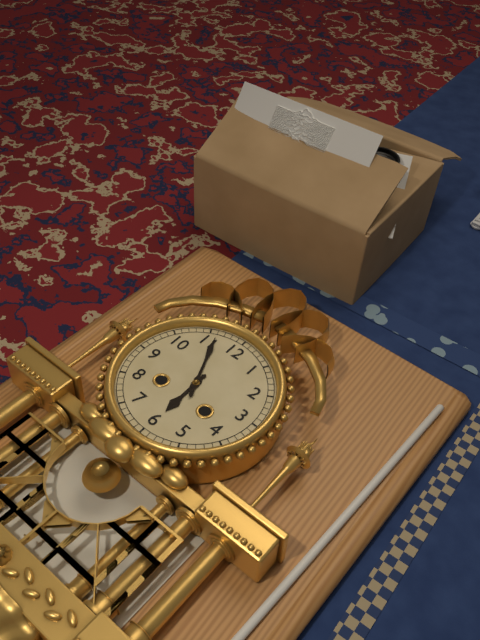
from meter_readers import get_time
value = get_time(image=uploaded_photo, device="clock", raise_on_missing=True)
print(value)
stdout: 5:56
